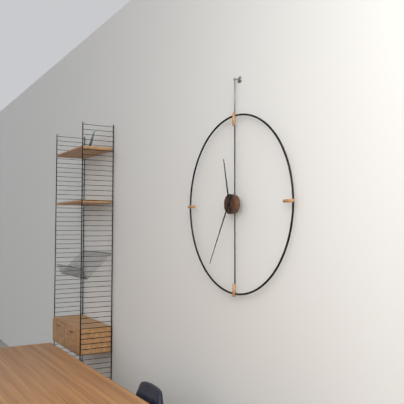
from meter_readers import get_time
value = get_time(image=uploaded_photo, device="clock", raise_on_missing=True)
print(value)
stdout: 11:35
